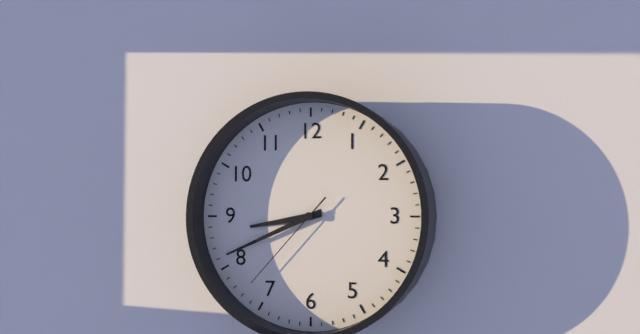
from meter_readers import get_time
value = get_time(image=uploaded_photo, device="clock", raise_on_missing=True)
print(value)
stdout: 8:41:37
